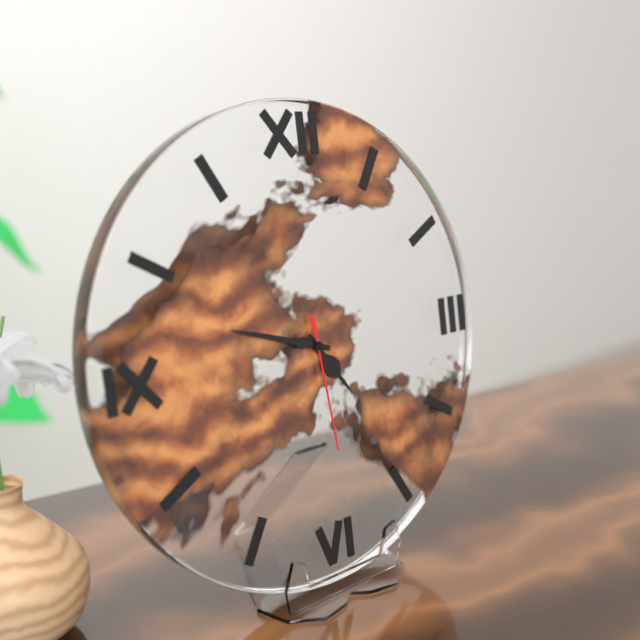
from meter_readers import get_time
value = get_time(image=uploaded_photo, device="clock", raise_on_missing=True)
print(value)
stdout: 4:48:29
